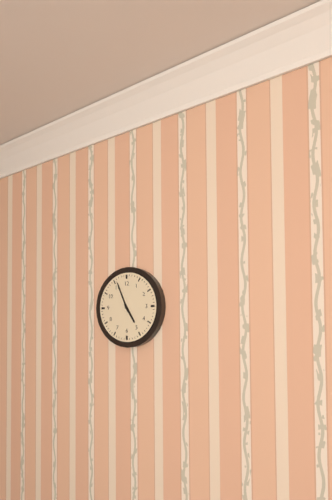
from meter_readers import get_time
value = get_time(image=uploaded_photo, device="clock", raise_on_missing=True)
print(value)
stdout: 4:56
